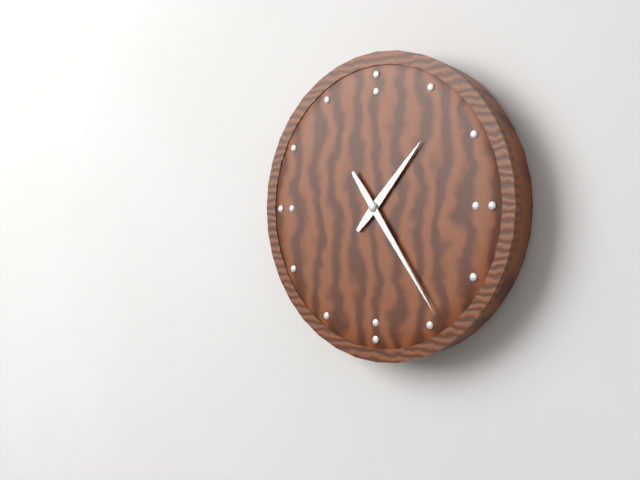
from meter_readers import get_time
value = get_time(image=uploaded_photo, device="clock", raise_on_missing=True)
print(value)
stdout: 1:24
